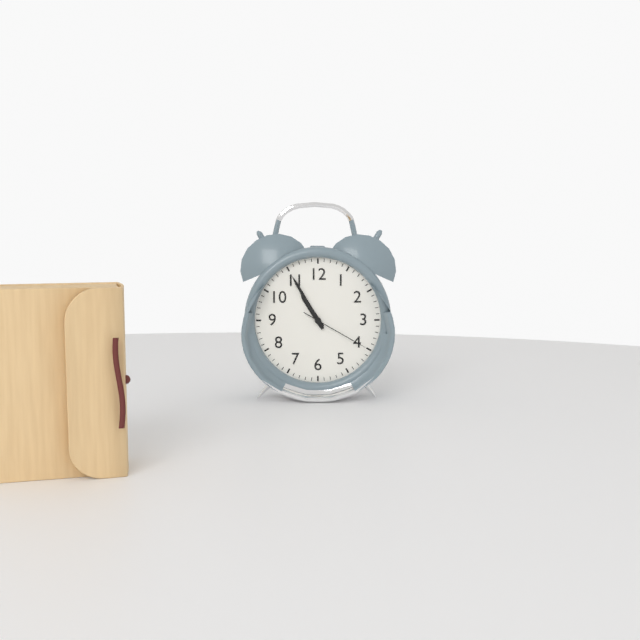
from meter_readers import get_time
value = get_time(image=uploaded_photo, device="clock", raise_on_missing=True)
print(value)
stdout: 10:55:20
